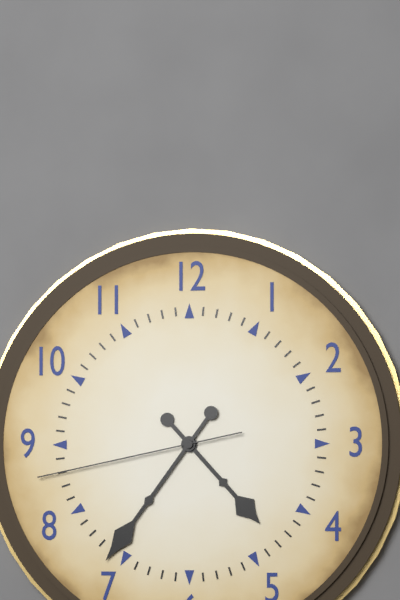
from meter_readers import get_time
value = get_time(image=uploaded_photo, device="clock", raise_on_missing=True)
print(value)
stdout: 4:36:43
